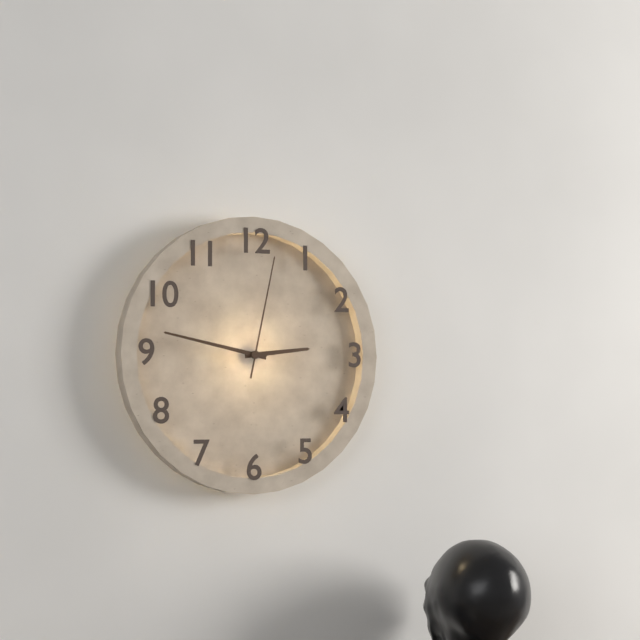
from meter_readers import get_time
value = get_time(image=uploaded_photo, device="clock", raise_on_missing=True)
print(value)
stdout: 2:47:02
